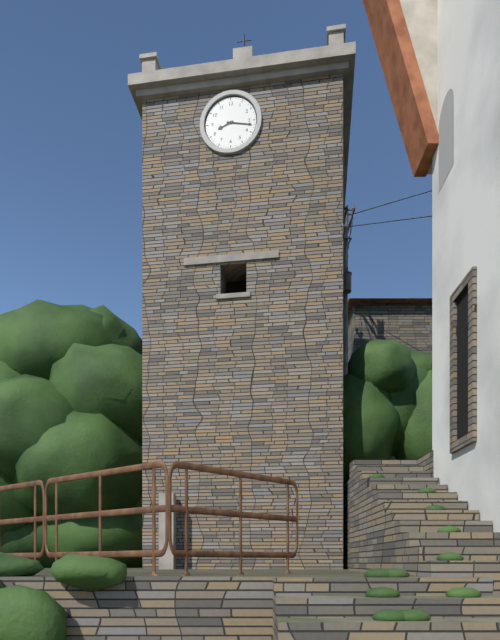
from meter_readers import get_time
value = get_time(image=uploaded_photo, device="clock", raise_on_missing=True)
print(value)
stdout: 8:17
